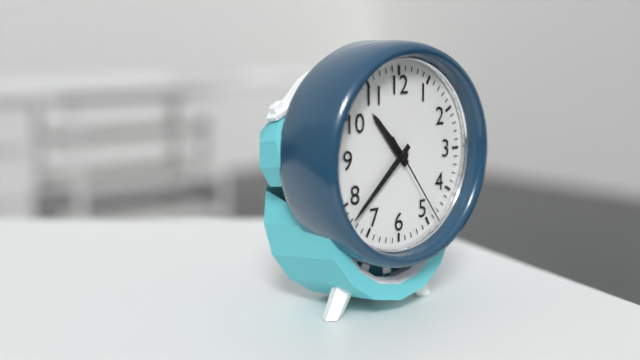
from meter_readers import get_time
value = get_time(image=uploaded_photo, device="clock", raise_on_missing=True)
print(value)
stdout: 10:38:24
